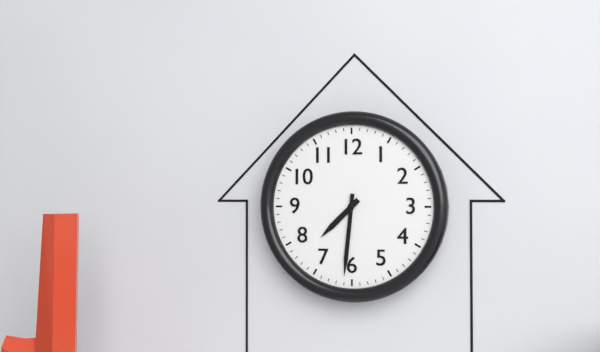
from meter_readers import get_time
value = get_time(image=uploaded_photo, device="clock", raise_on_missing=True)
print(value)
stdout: 7:31
